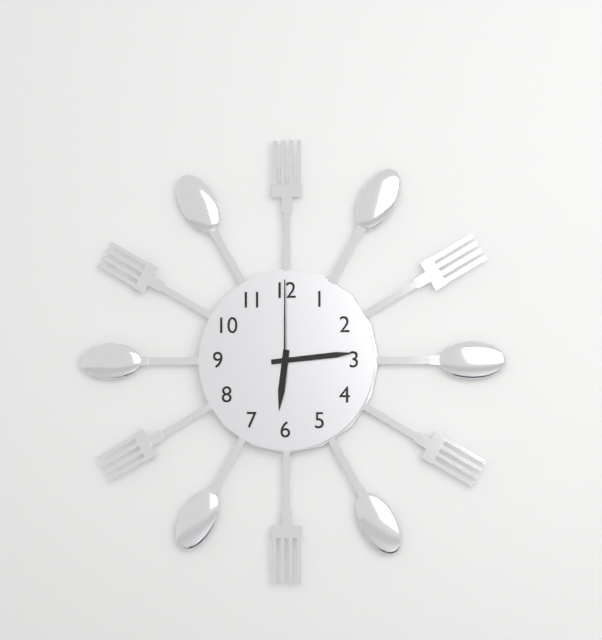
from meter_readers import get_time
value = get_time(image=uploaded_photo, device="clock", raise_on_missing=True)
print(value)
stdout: 6:14:00
